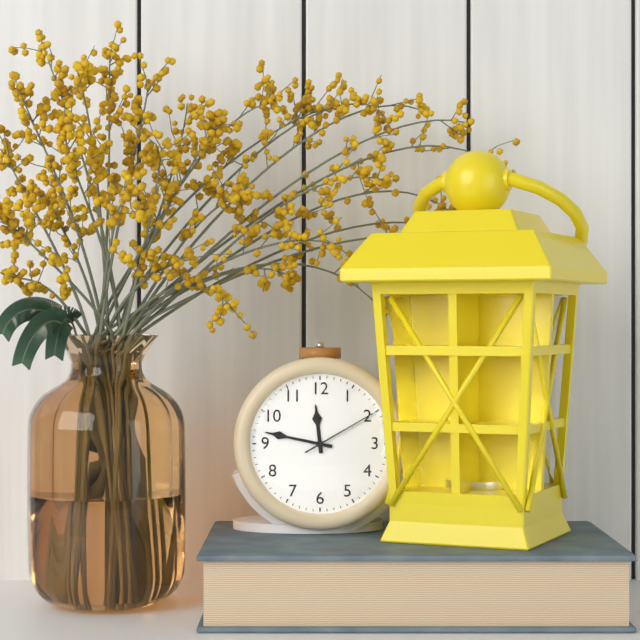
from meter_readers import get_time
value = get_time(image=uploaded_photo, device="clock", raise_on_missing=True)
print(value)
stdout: 11:47:10
